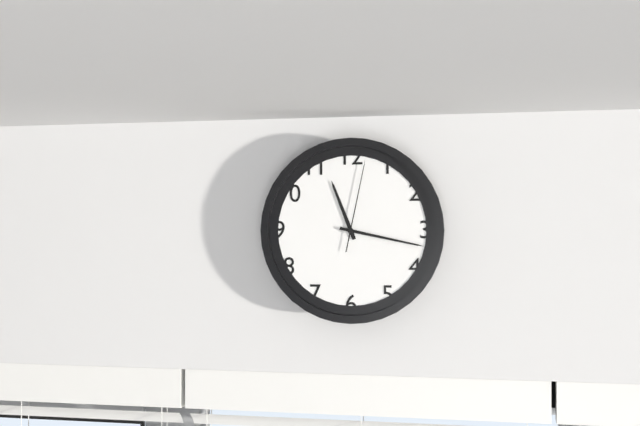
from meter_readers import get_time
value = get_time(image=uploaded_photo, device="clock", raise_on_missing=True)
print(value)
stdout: 11:17:02
